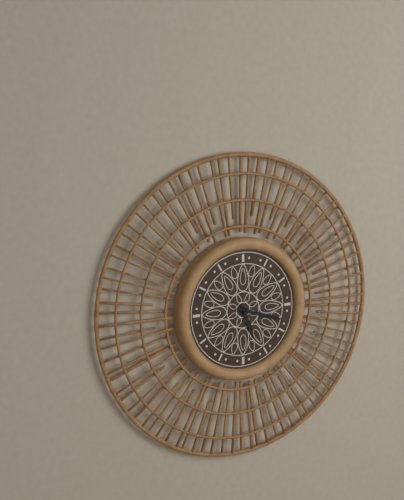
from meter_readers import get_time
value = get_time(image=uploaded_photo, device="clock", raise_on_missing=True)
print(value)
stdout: 5:18
